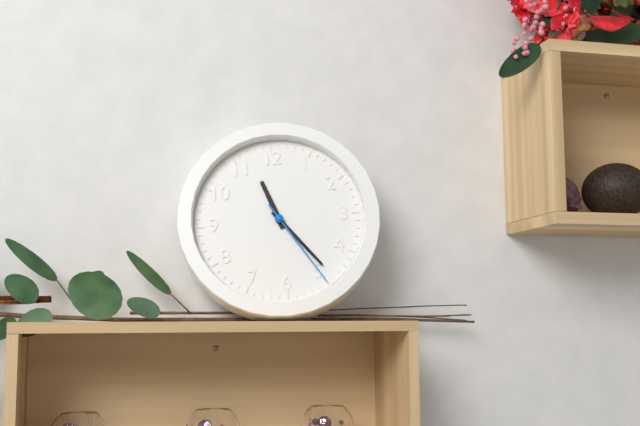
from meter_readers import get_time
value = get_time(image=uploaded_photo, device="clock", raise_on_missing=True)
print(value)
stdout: 11:24:25
